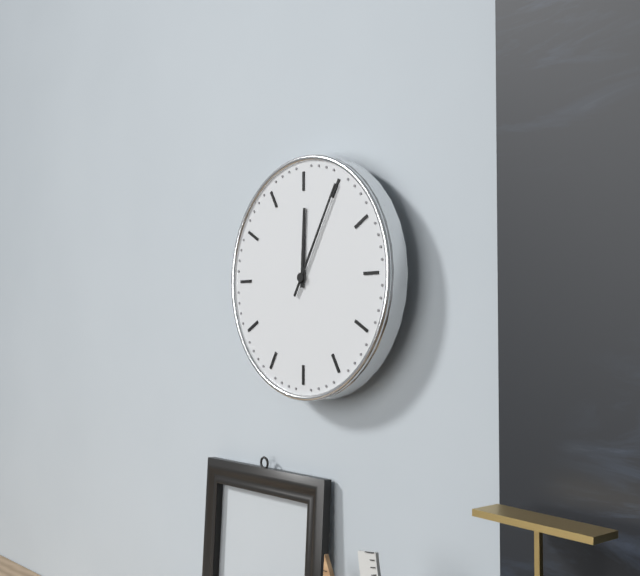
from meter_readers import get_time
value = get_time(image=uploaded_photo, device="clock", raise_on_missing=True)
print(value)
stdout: 12:05
